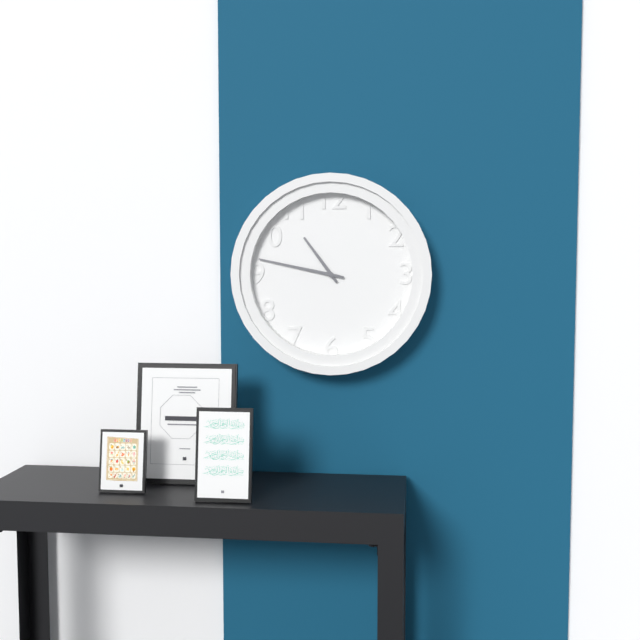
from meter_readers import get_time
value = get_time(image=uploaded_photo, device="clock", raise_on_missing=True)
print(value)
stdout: 10:47
